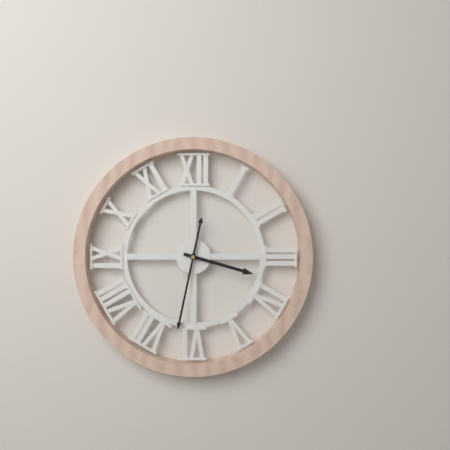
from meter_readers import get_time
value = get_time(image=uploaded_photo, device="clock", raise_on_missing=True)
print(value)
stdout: 3:32
